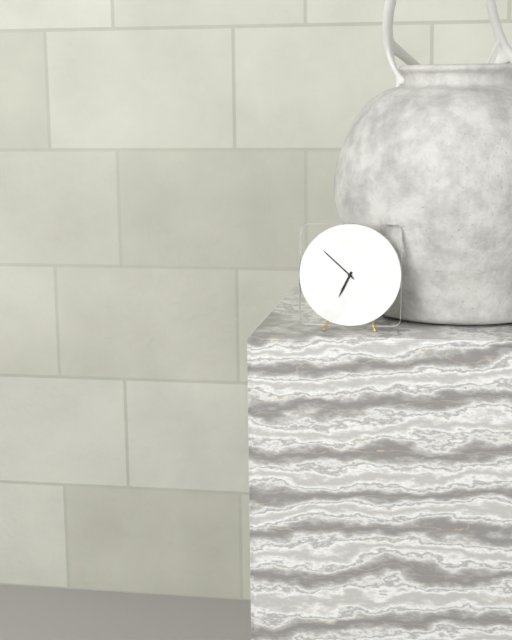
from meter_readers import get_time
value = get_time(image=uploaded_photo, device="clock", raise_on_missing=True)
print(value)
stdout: 6:52
